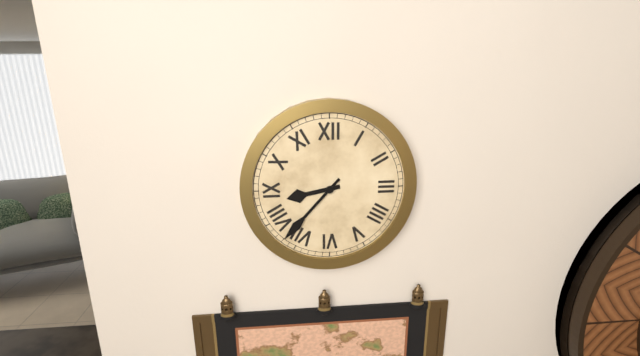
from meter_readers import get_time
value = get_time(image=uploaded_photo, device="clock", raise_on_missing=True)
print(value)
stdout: 8:37
